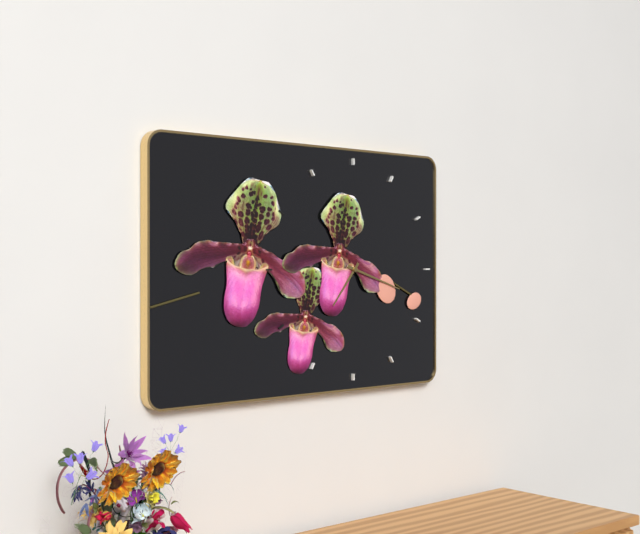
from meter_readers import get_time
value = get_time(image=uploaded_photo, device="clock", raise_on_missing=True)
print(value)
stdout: 7:18
